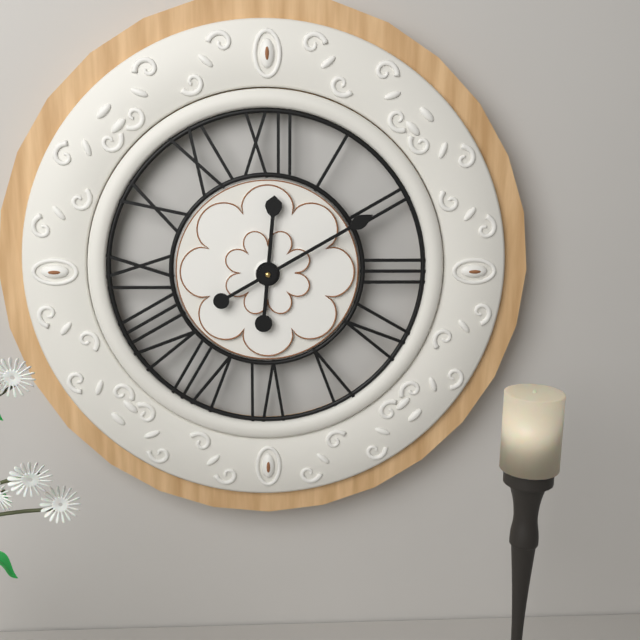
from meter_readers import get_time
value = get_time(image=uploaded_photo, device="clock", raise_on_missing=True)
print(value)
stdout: 12:10
